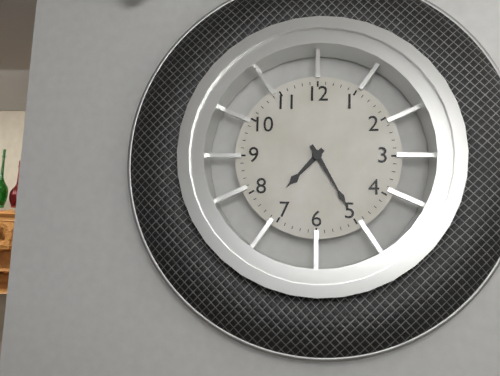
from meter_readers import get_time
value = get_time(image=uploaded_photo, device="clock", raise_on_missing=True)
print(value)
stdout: 7:25
